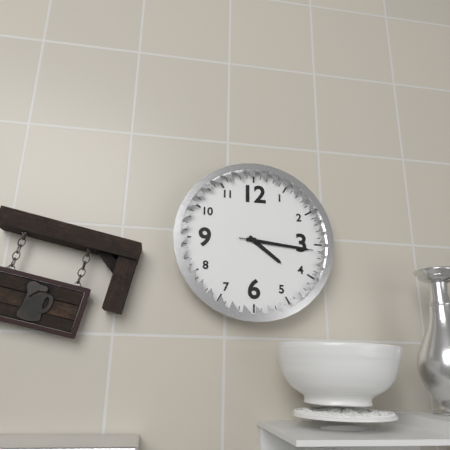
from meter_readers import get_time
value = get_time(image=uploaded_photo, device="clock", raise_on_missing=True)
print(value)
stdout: 4:16:16
